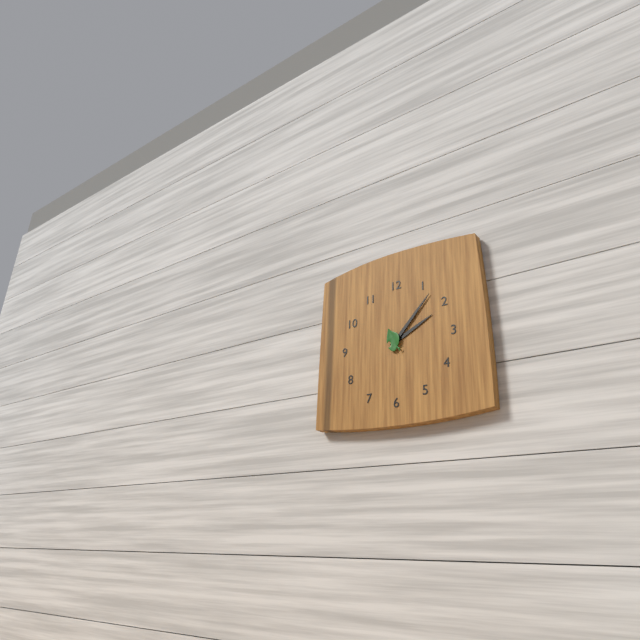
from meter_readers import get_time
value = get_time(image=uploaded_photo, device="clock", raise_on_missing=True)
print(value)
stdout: 2:07
